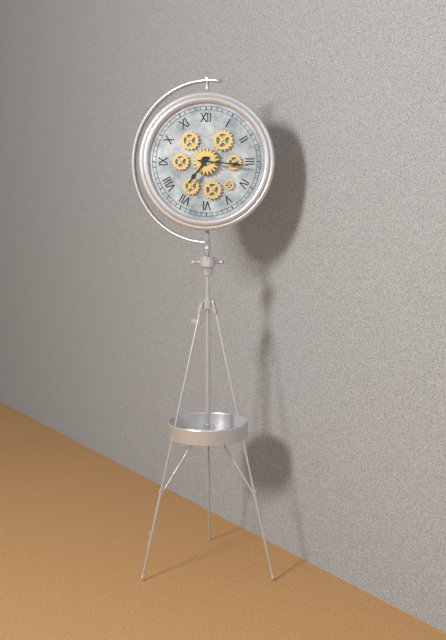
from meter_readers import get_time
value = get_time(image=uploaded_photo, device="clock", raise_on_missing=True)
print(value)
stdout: 7:16
